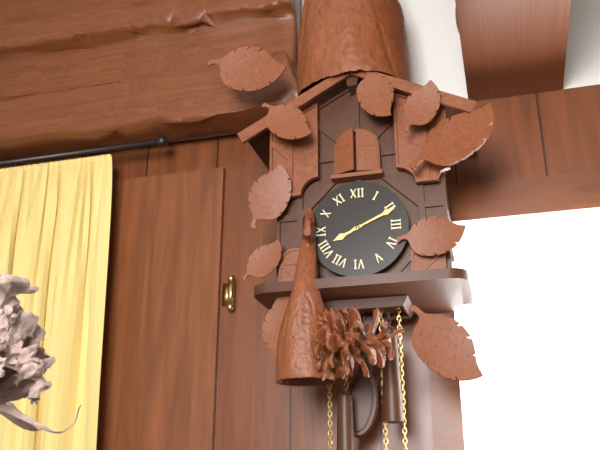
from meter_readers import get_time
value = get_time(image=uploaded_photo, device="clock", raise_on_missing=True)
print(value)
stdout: 8:11
